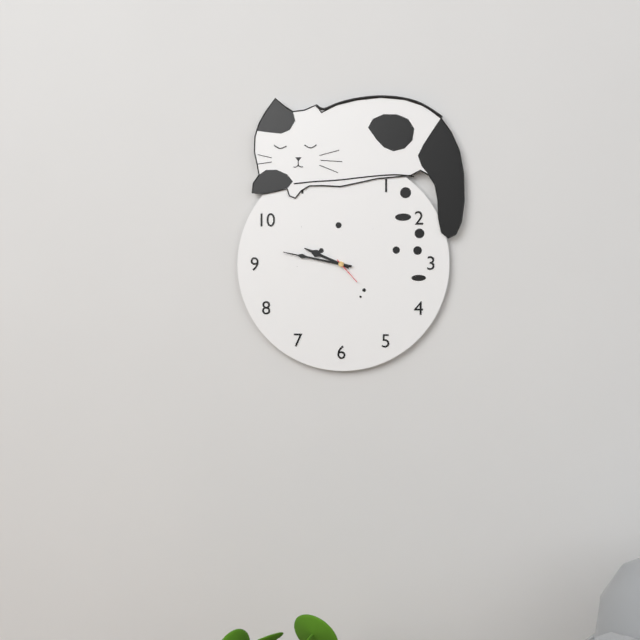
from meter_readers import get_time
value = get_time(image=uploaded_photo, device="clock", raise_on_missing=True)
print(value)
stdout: 9:47
